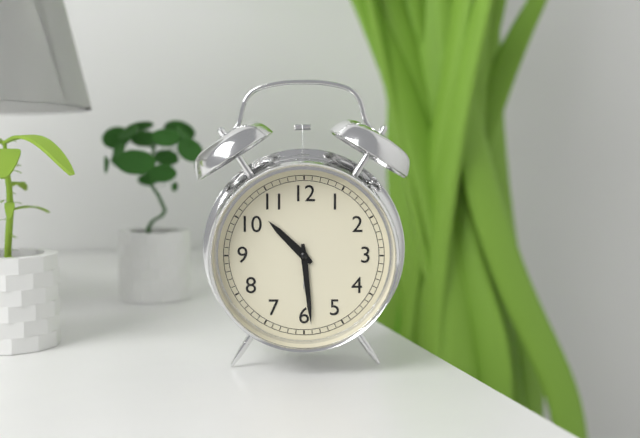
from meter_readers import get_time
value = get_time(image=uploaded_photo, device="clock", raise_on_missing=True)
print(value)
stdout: 10:29
